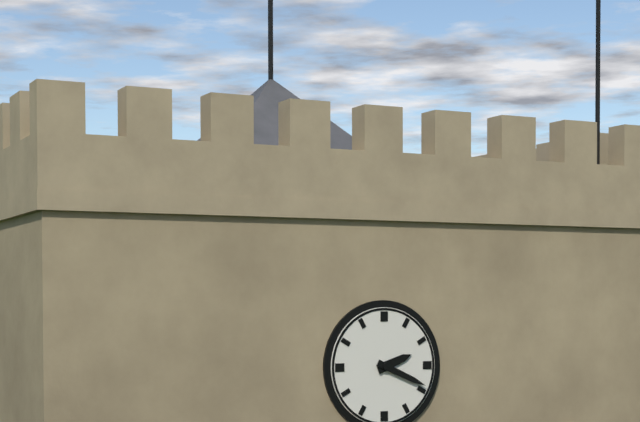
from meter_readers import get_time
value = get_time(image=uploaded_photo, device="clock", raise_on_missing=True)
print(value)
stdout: 2:19
